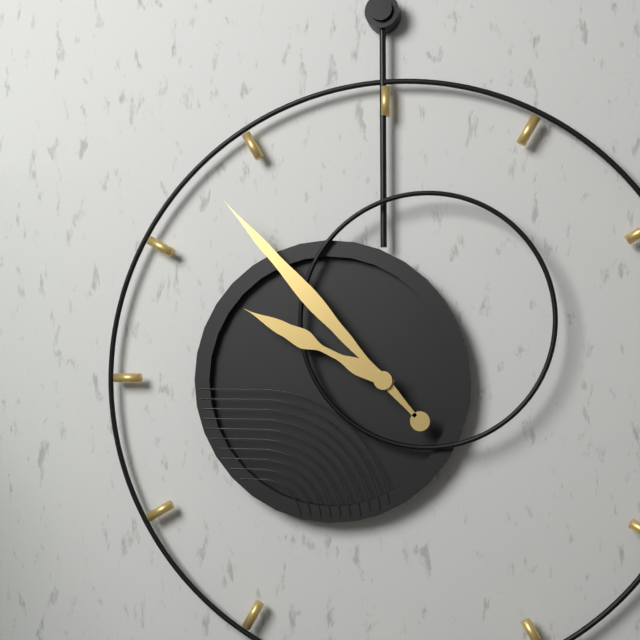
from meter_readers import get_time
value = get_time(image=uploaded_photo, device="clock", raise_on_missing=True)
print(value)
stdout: 9:53
